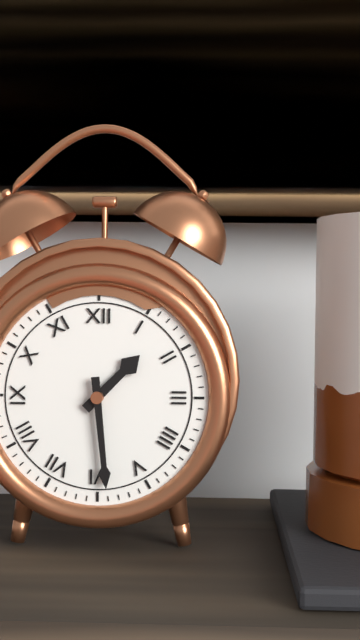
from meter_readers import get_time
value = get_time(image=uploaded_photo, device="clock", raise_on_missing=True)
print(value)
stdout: 1:29
